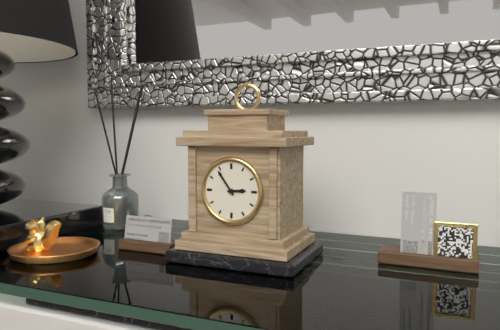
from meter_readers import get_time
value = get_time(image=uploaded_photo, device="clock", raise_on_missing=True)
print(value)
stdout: 2:54
